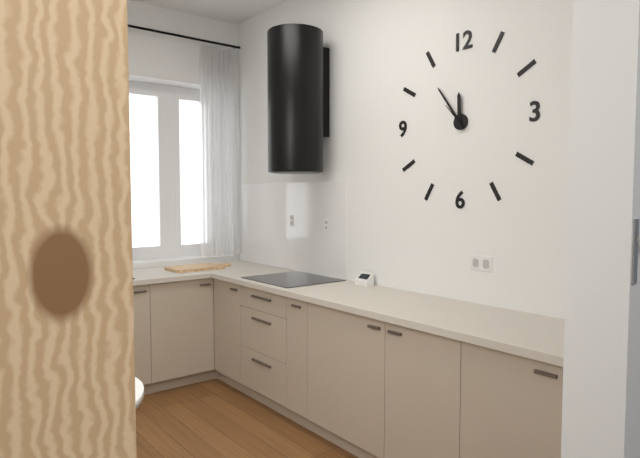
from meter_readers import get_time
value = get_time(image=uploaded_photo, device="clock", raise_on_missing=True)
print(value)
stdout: 11:54
